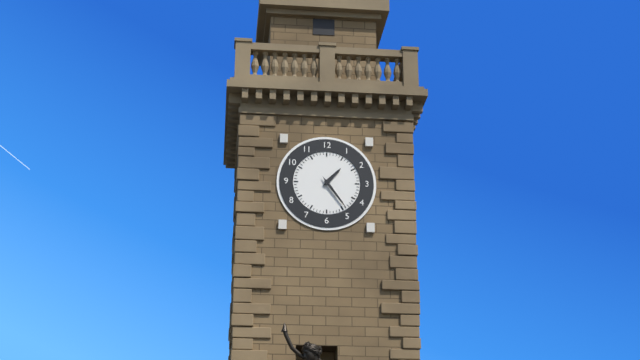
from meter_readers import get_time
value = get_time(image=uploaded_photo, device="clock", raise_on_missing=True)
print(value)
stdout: 1:24
